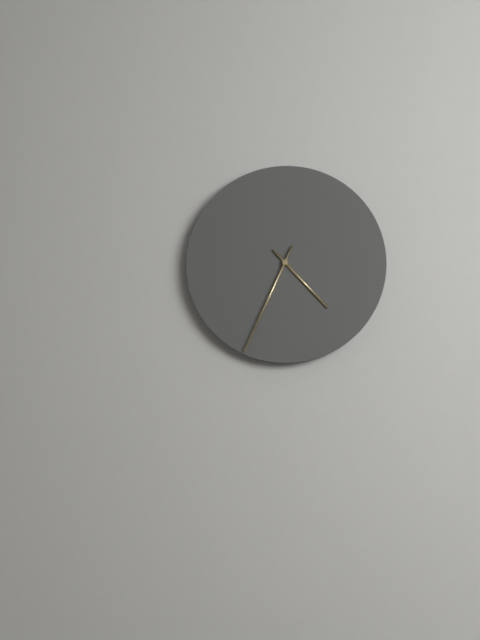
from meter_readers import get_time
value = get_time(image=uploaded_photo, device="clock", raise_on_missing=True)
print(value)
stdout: 4:34
